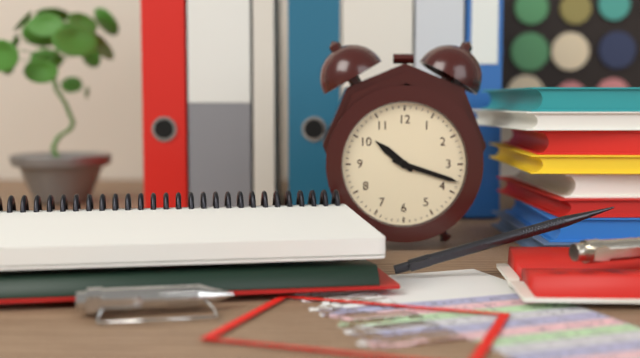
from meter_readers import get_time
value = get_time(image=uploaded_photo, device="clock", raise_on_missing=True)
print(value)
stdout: 10:18
